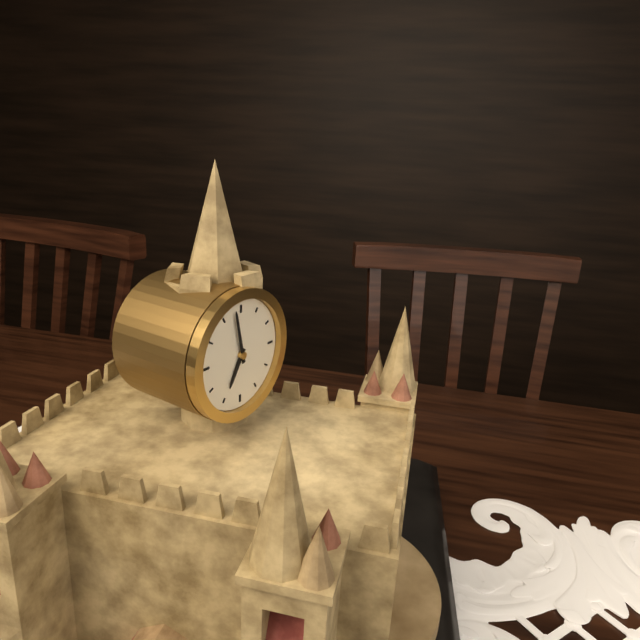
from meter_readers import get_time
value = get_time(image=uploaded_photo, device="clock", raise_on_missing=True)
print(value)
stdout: 6:58
